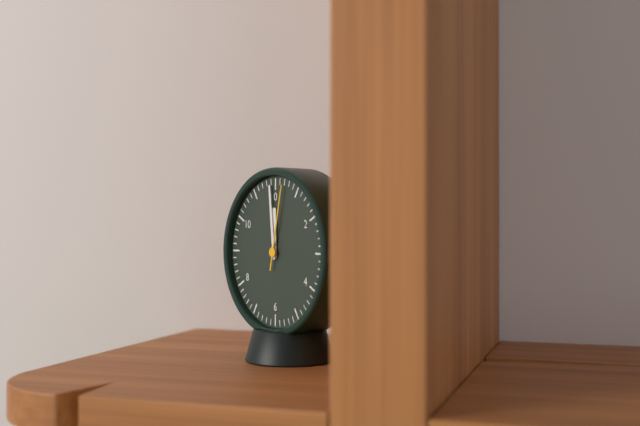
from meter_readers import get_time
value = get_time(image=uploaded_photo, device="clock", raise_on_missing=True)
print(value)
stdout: 11:59:02
